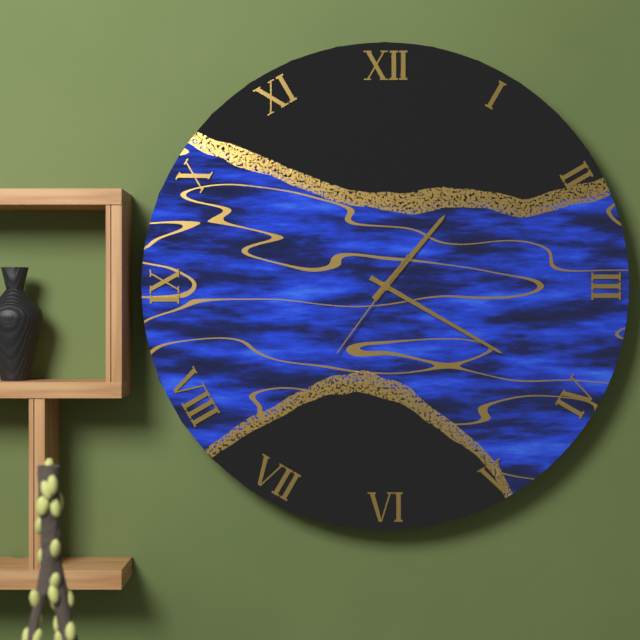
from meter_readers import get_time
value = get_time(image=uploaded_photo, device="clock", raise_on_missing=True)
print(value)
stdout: 1:20:36
